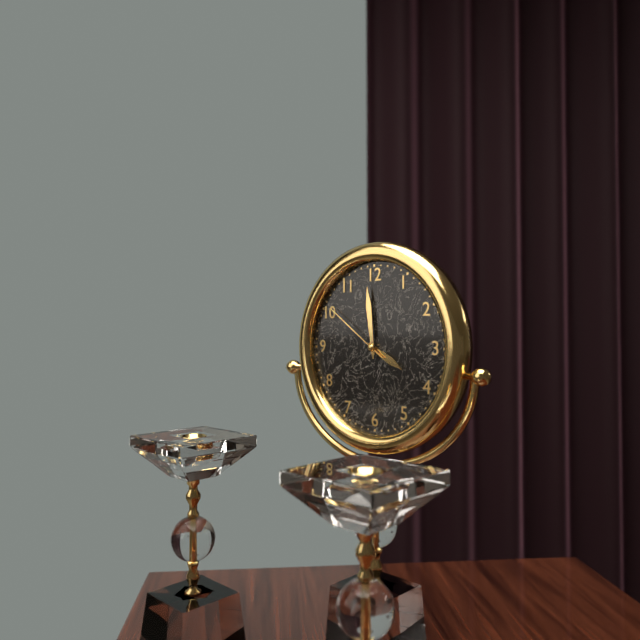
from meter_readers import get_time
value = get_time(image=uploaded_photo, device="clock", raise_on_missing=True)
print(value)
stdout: 3:59:51
